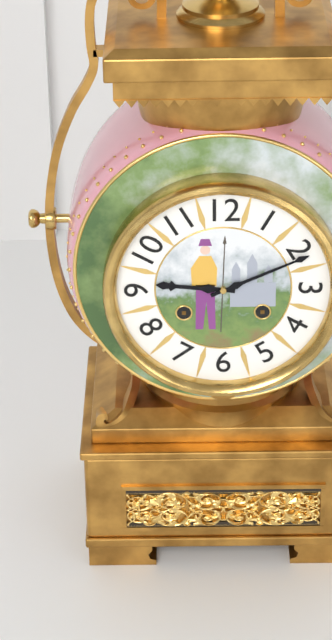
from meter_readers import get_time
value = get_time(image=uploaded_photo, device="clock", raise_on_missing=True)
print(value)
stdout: 9:11
